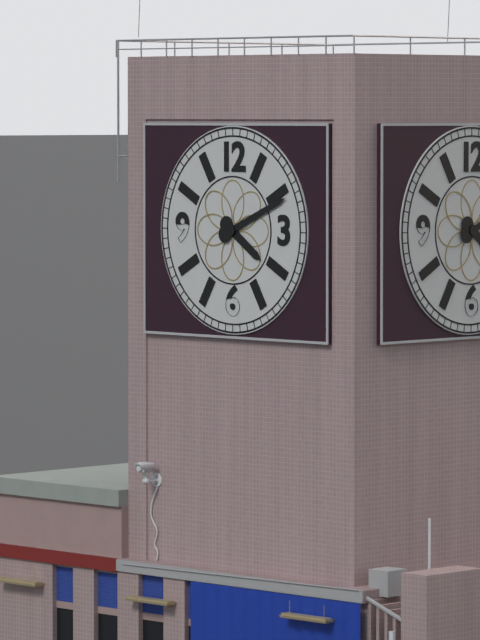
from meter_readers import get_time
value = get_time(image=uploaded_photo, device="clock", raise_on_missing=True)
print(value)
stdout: 4:11
